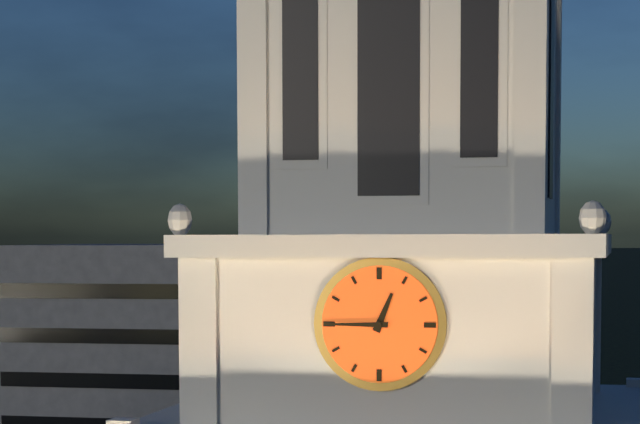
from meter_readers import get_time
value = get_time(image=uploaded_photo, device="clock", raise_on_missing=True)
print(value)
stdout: 12:45
